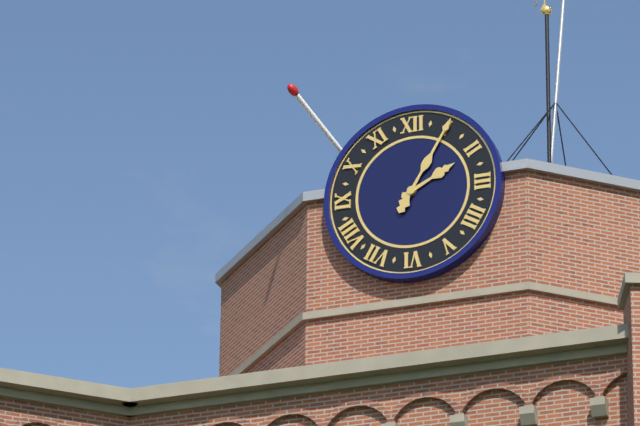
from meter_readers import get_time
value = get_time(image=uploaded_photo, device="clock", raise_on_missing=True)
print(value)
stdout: 2:05
